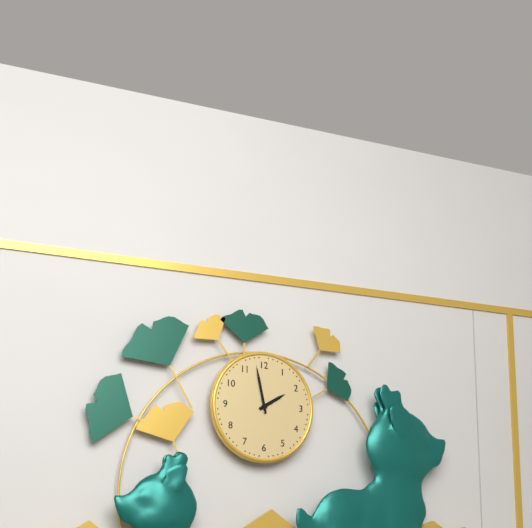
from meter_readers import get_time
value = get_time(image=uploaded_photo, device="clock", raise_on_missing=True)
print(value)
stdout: 1:58
